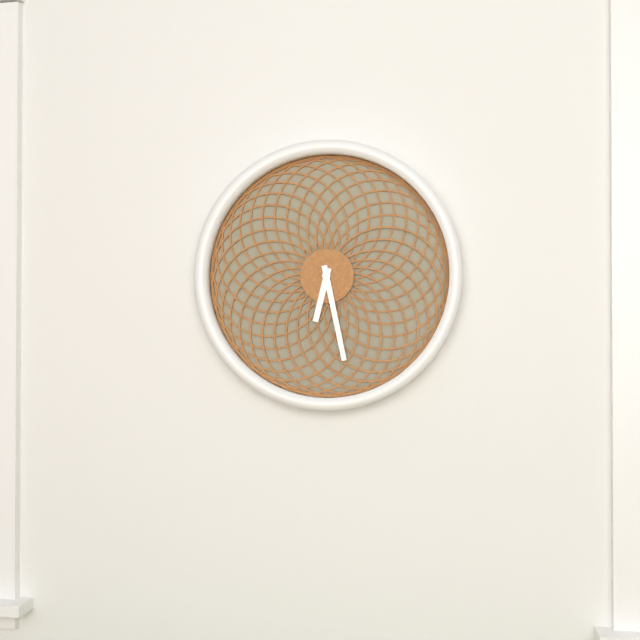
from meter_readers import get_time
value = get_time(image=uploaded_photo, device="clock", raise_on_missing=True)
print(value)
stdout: 6:28
